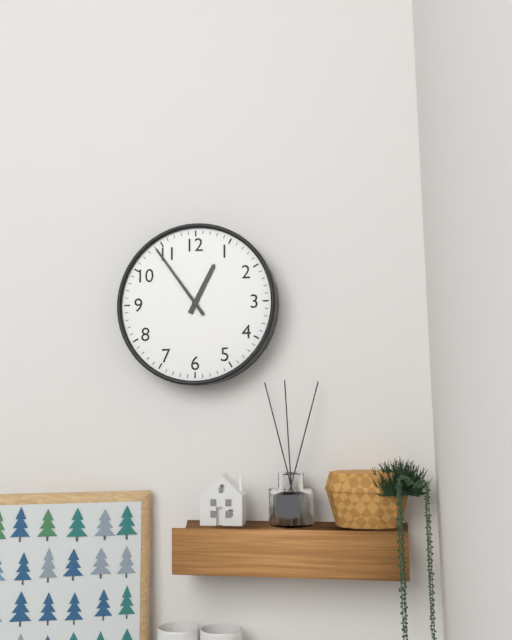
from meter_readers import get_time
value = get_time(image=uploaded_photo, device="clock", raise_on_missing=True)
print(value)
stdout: 12:54
